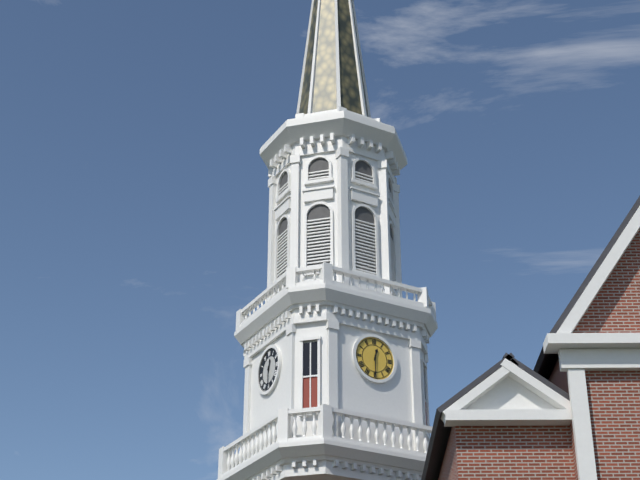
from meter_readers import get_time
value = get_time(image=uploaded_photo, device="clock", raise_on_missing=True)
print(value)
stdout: 12:30
